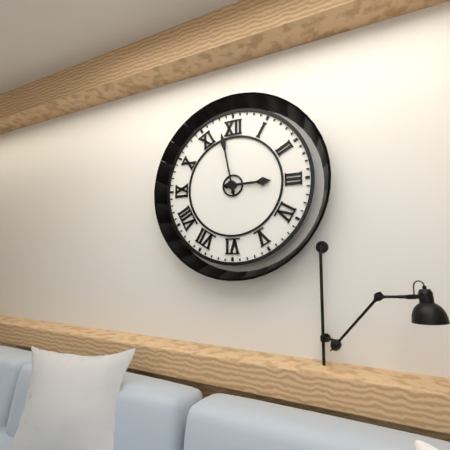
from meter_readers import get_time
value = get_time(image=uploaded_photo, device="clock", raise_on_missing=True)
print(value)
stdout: 2:58
